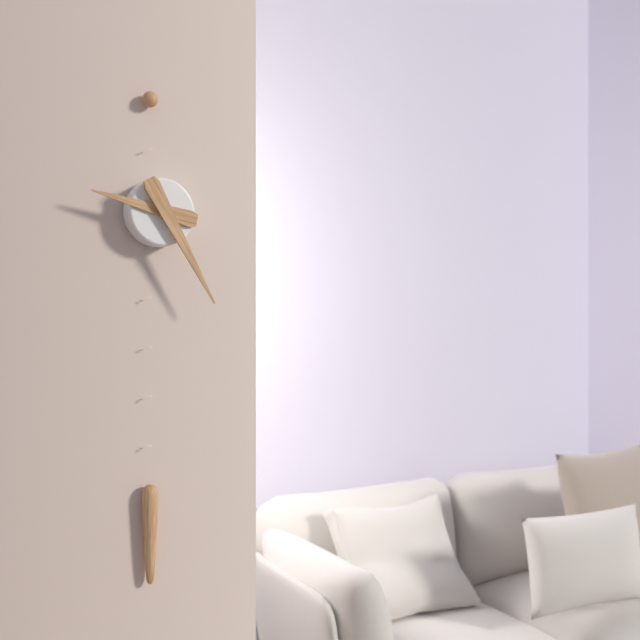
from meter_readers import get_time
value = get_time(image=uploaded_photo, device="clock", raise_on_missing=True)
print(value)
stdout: 9:25
